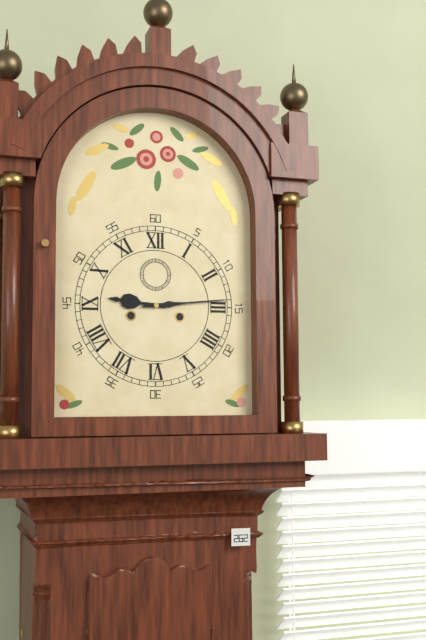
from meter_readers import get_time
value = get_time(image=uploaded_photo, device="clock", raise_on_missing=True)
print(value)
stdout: 9:14
